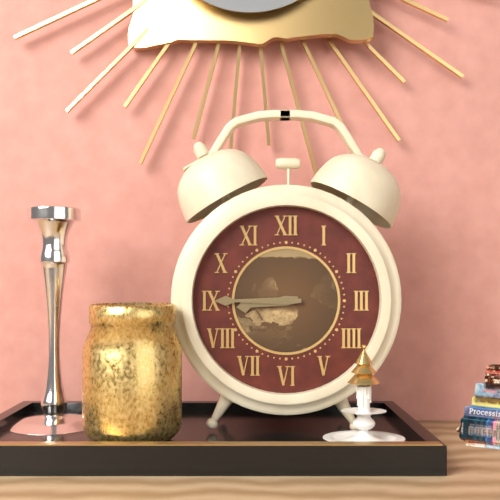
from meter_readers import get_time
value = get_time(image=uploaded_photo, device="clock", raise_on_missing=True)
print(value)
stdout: 8:45
